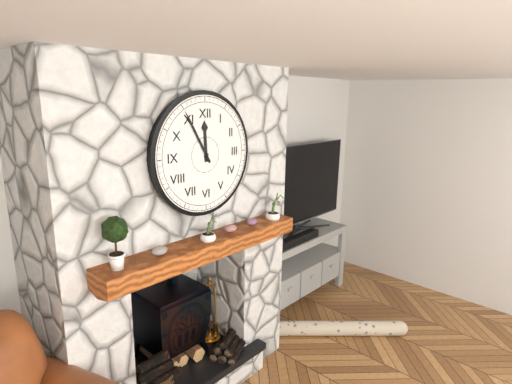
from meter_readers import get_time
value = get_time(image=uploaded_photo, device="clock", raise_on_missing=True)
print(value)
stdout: 11:55
